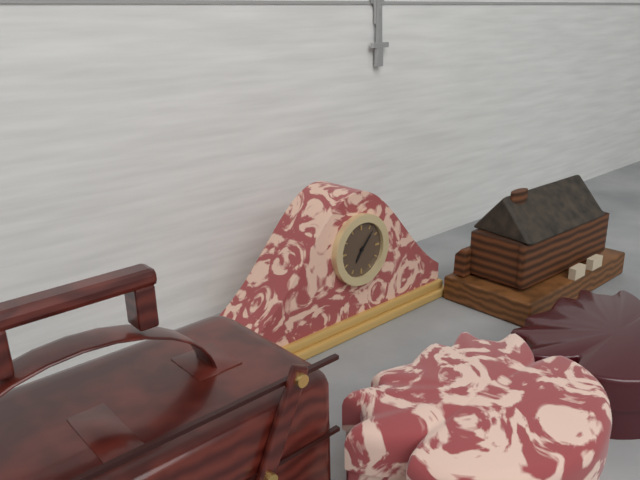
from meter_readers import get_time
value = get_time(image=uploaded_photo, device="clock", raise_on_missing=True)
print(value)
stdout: 7:07
